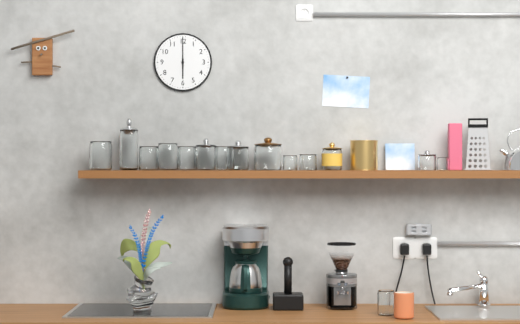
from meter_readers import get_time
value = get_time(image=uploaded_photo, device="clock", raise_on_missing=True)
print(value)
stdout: 6:00
